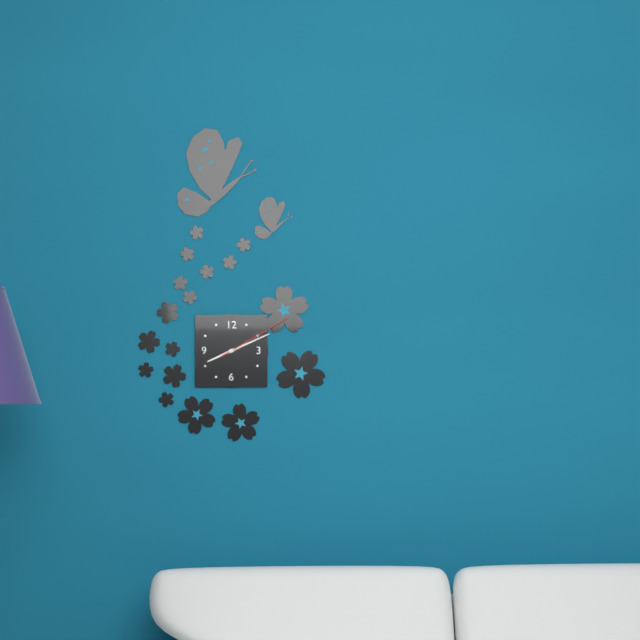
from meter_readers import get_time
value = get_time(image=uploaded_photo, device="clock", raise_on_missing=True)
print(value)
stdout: 8:11:10
